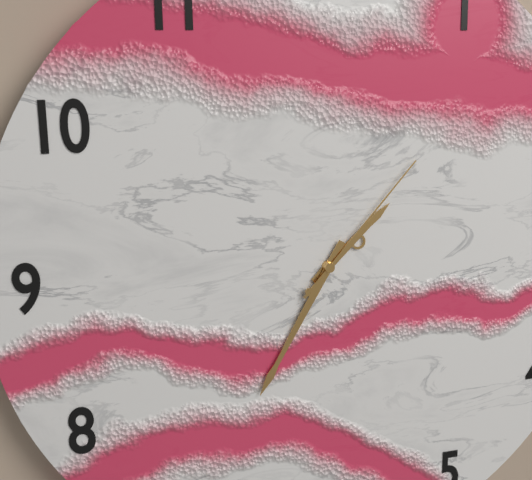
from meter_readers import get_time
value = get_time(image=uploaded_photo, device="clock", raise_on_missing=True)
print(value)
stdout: 1:35:07
